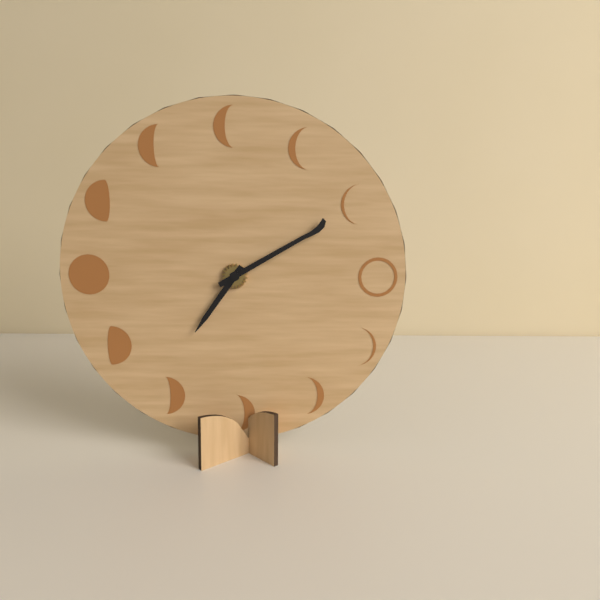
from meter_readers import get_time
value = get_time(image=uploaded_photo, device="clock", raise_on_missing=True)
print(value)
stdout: 7:10
